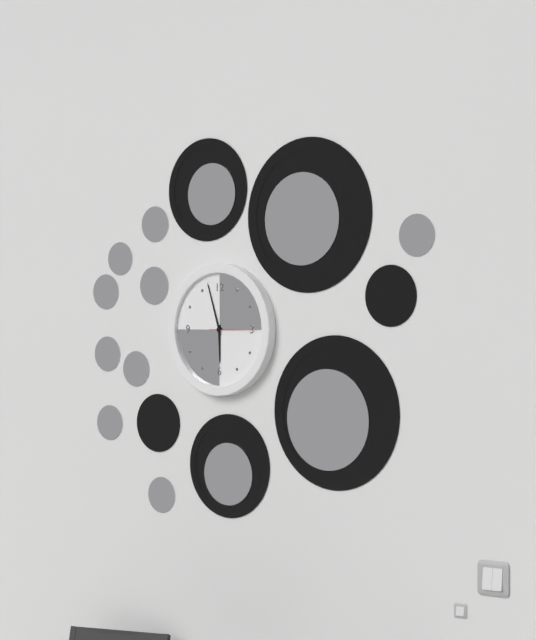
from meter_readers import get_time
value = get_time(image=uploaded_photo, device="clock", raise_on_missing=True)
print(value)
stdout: 5:57:15
